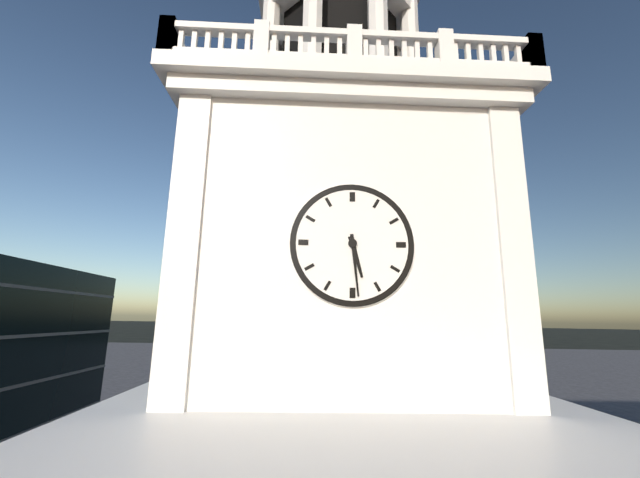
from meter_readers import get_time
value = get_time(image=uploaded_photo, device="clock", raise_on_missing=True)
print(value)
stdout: 5:29
